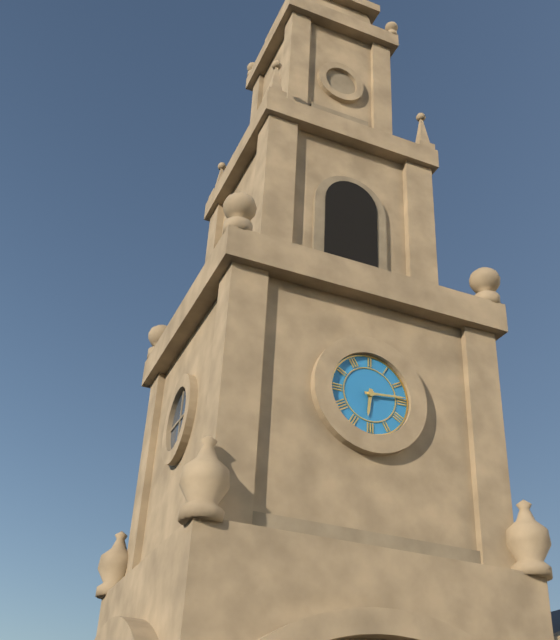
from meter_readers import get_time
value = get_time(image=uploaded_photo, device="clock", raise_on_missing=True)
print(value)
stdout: 6:14
